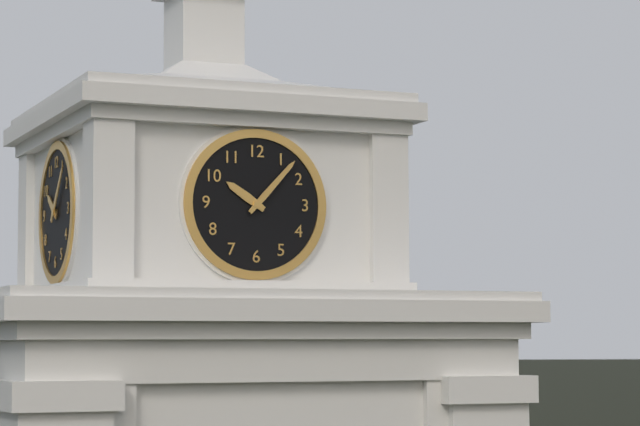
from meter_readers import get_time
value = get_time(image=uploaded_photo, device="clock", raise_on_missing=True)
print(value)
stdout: 10:07
